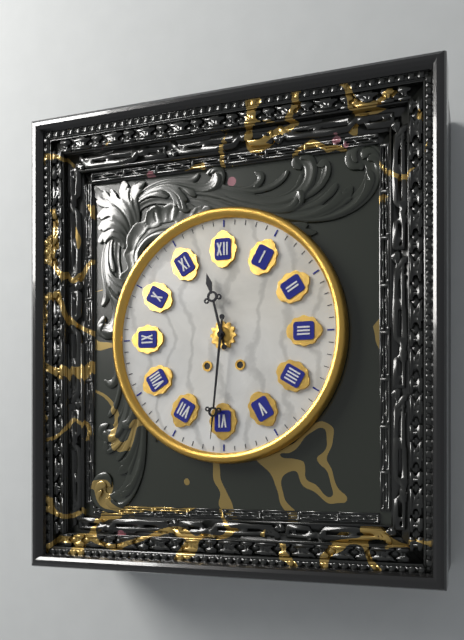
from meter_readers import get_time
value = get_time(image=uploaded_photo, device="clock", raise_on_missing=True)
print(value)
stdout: 11:31
